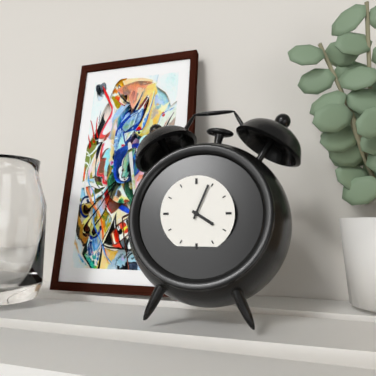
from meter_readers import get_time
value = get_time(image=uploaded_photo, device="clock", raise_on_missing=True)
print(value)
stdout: 4:04
